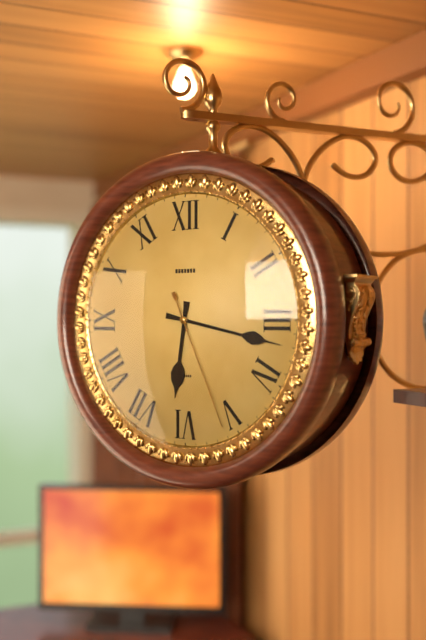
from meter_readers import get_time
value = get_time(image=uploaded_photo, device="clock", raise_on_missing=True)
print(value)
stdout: 6:17:26
